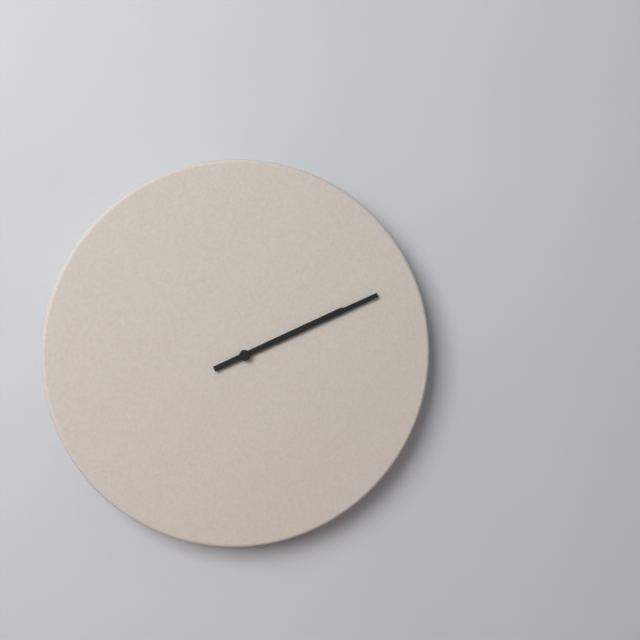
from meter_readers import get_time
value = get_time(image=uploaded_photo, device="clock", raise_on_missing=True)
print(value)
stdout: 2:11
